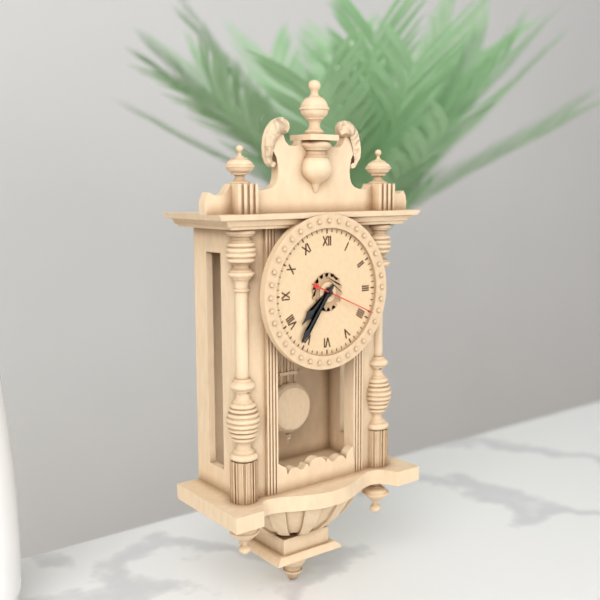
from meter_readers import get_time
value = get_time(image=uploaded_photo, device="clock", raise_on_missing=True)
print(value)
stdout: 7:36:19
